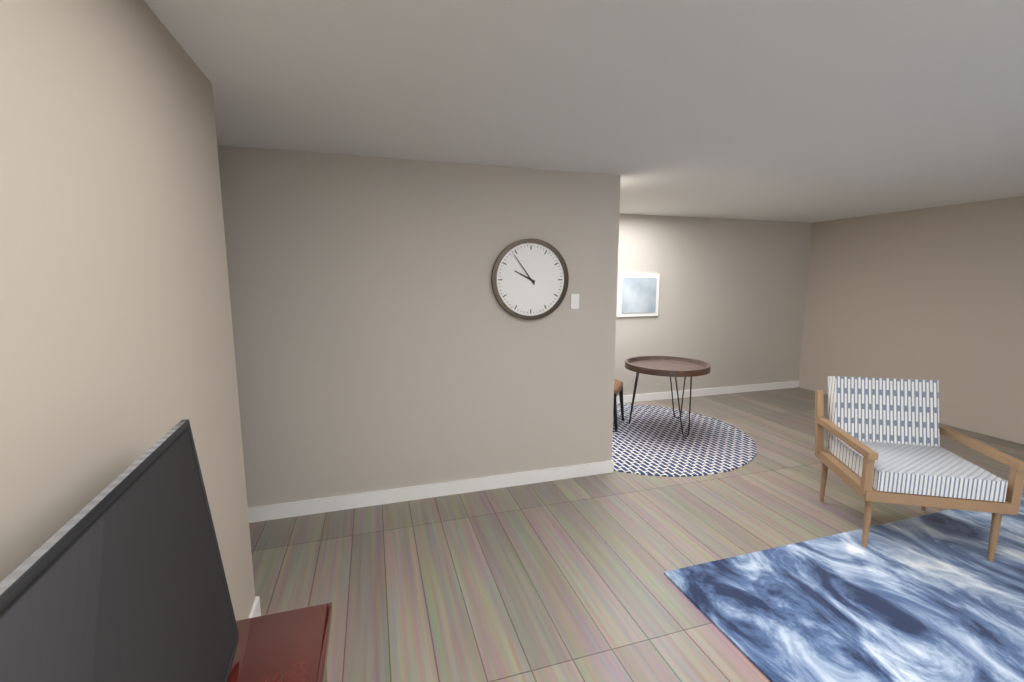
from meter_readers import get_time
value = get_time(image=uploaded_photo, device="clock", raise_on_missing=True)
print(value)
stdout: 9:54
